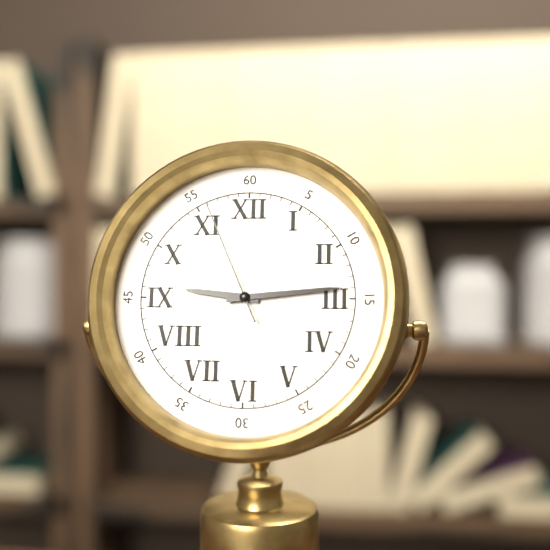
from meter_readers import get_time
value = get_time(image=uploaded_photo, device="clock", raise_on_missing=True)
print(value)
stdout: 9:14:56
